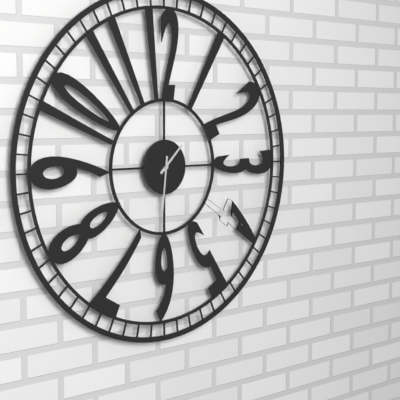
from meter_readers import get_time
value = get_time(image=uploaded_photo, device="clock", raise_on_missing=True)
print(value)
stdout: 1:31
